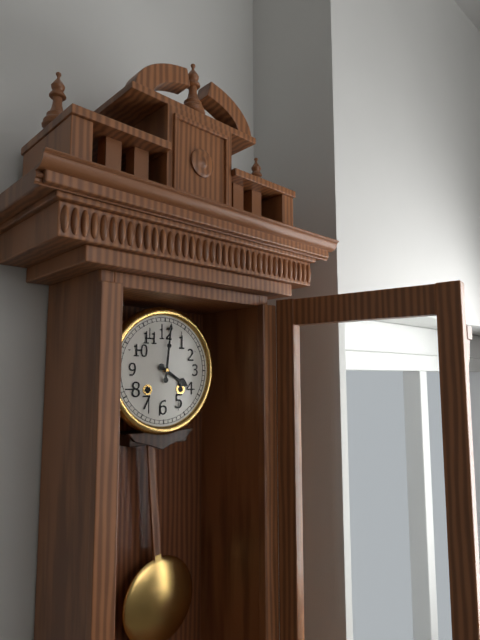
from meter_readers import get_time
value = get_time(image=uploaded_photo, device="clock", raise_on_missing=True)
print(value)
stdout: 4:01
